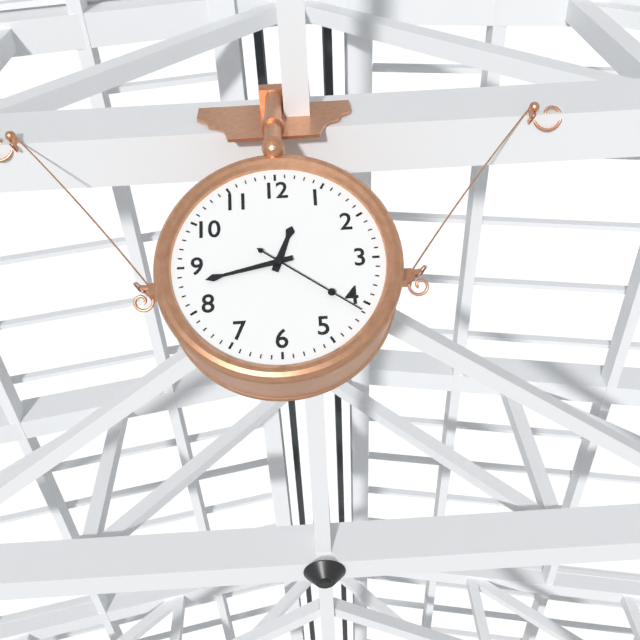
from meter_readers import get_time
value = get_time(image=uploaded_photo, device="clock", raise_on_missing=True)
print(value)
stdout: 12:43:21
